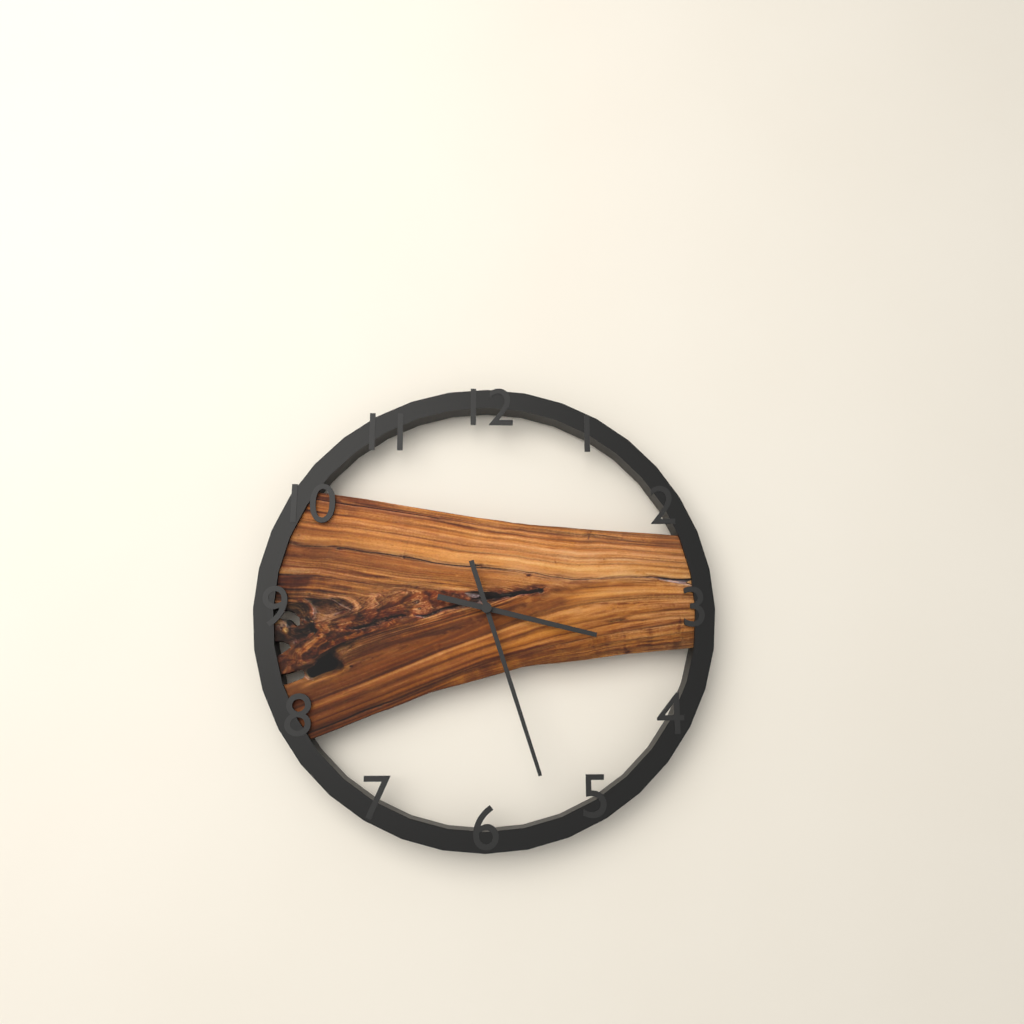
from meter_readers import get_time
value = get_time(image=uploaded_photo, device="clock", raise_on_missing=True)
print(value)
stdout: 3:27
